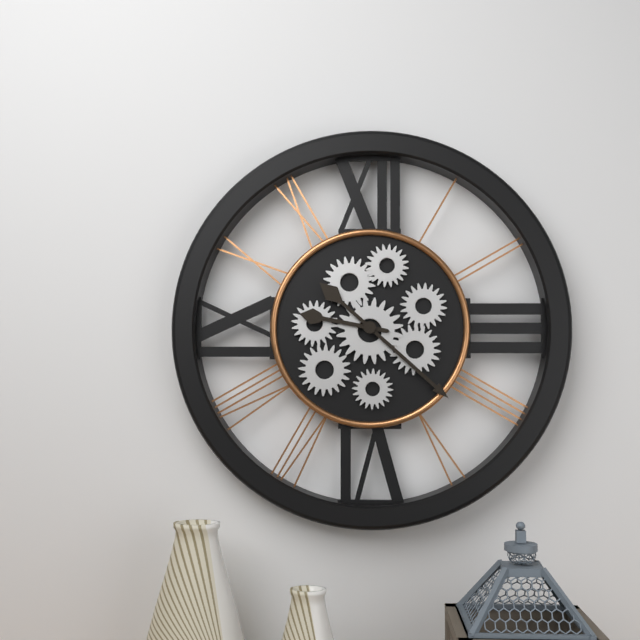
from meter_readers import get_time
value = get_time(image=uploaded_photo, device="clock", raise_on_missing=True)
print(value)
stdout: 9:22
